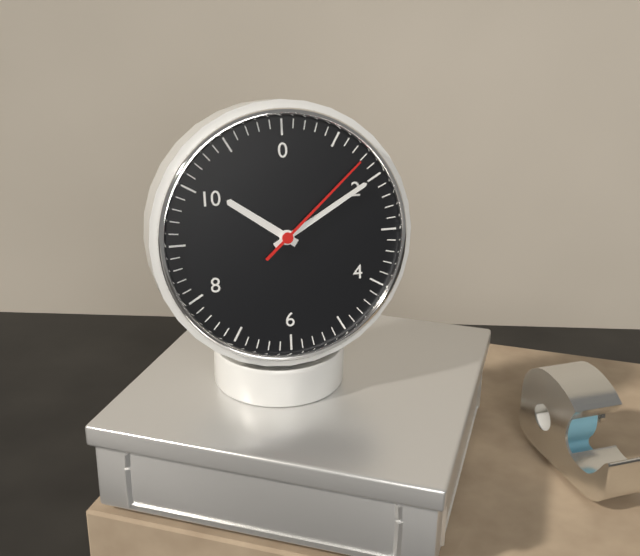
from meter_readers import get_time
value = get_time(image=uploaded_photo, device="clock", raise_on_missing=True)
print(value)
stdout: 10:10:08
